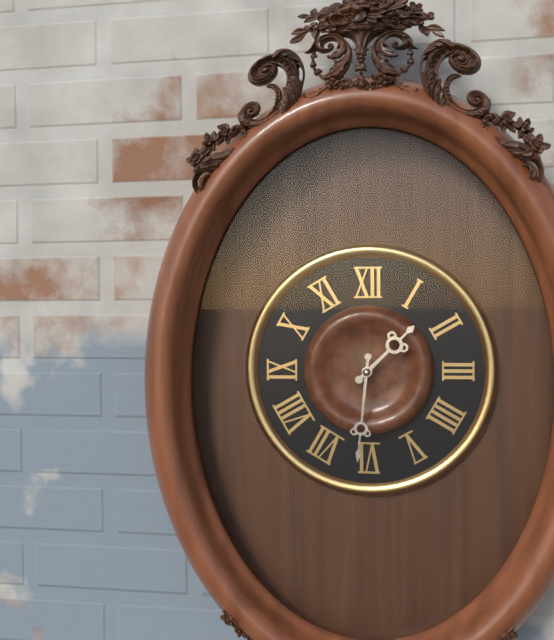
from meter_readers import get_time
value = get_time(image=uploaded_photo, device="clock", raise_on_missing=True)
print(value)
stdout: 1:31
